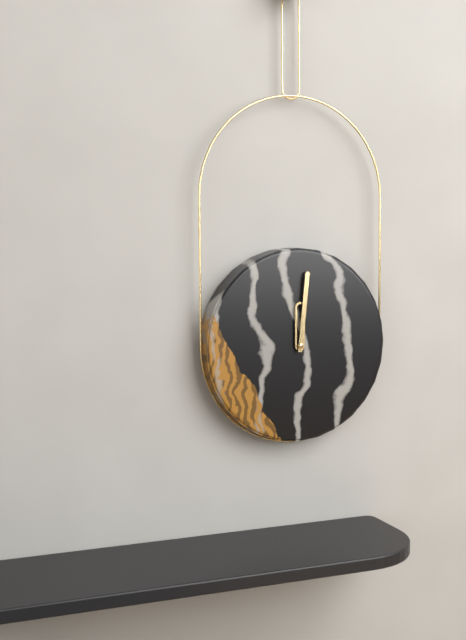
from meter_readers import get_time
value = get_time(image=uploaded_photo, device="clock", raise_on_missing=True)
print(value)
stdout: 12:01
